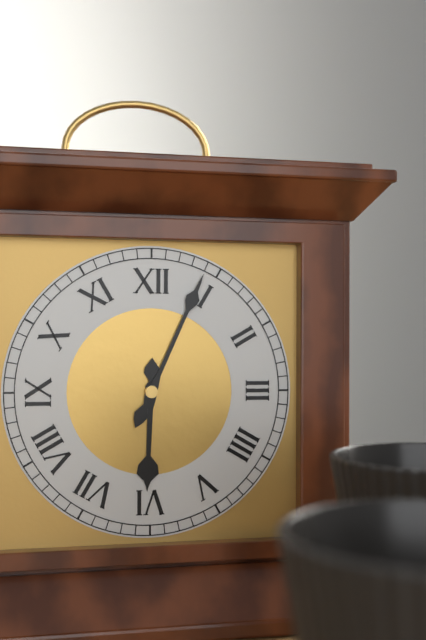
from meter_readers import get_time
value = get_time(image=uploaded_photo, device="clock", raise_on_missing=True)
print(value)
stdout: 6:04
